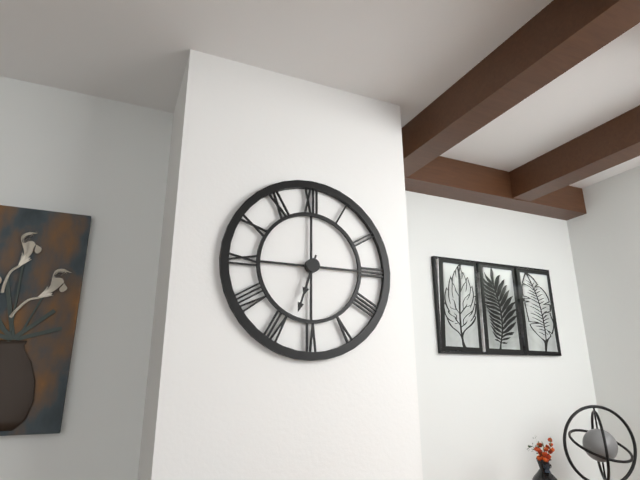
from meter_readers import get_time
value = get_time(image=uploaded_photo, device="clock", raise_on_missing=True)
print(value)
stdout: 6:33
